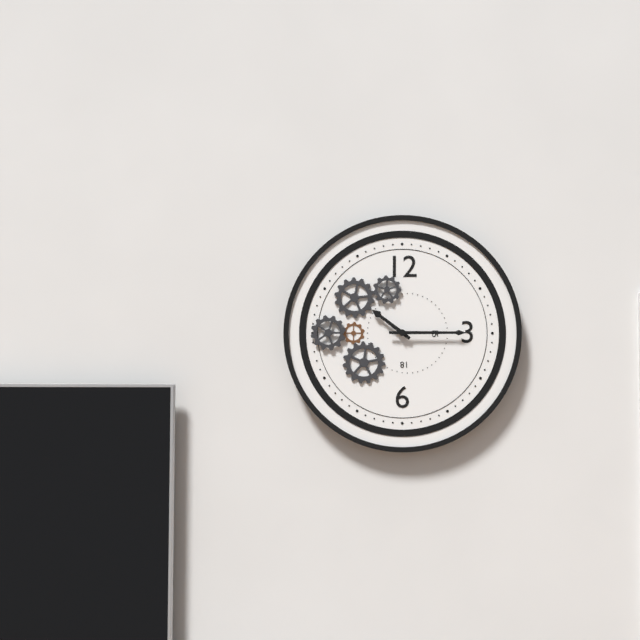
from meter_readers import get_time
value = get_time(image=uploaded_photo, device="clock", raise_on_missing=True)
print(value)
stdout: 10:15
